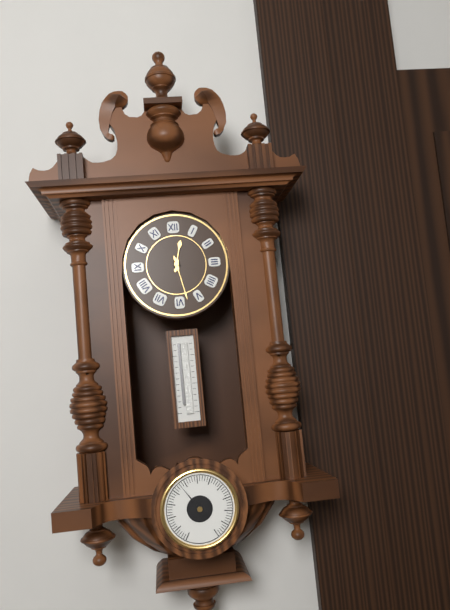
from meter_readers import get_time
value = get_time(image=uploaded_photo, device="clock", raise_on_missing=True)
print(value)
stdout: 12:28
